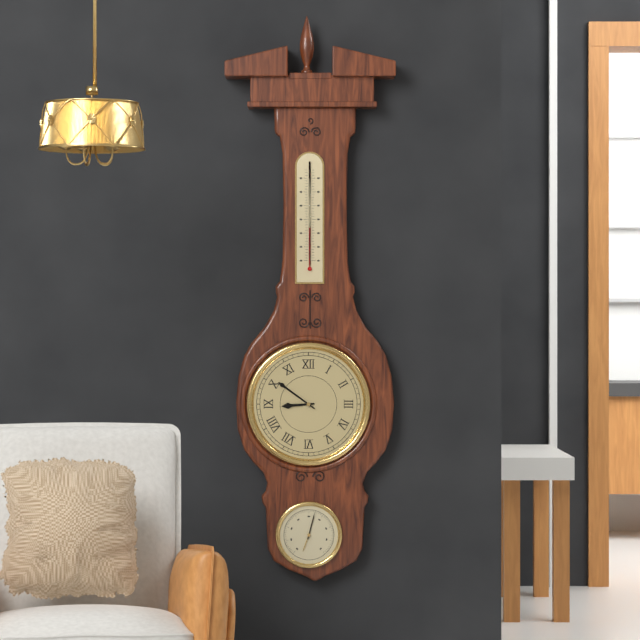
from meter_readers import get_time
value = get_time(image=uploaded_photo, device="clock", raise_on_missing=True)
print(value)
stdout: 8:51
